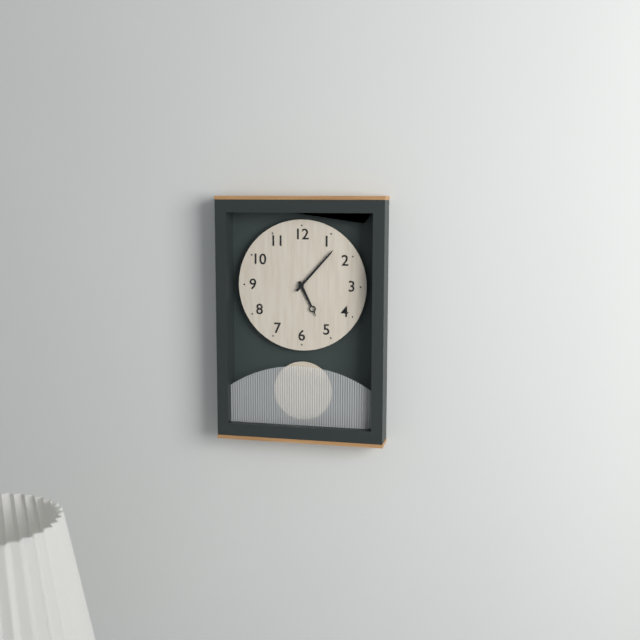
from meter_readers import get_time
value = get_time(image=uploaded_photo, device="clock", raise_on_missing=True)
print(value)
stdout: 5:07
